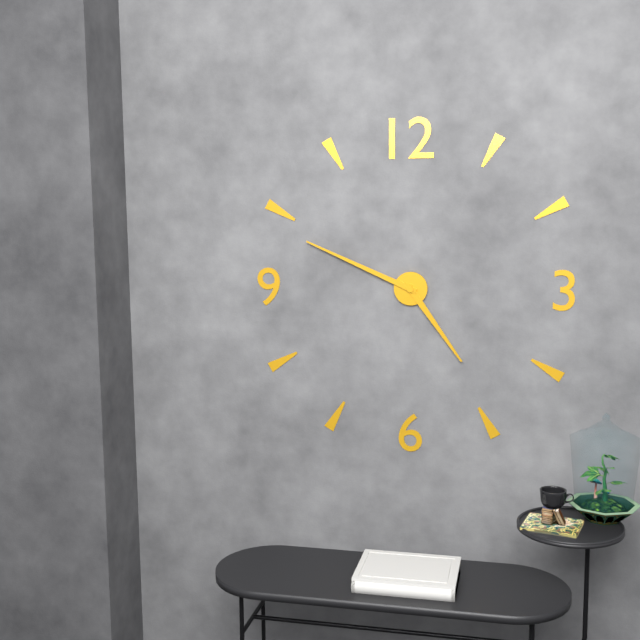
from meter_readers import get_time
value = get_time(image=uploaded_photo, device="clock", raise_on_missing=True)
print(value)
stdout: 4:49
